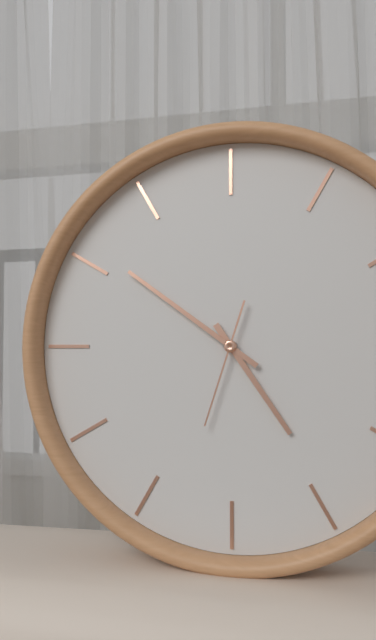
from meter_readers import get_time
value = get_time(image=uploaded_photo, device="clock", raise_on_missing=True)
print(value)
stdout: 4:51:33
